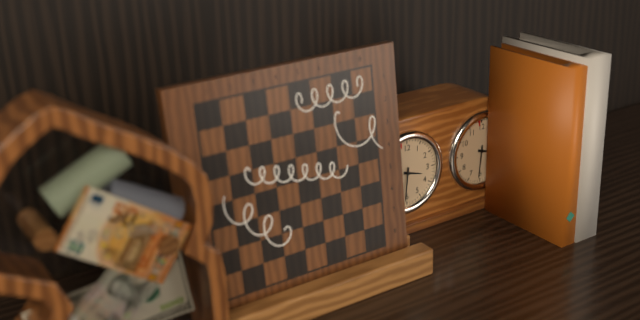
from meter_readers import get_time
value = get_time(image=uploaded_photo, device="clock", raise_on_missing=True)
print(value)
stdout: 3:31
